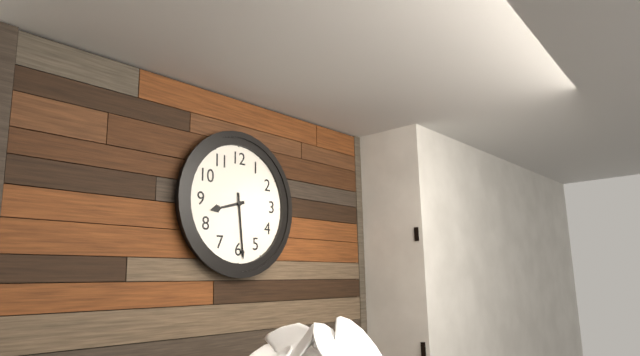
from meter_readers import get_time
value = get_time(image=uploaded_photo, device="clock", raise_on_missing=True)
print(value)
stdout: 8:29
